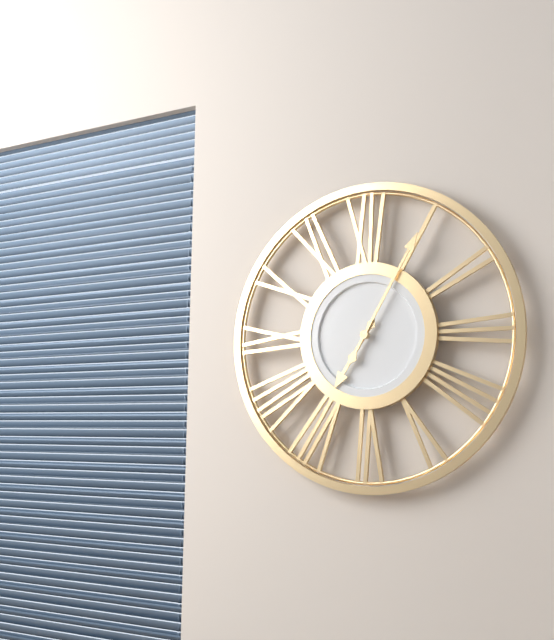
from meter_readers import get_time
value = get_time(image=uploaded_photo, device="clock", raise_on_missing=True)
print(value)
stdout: 7:05
